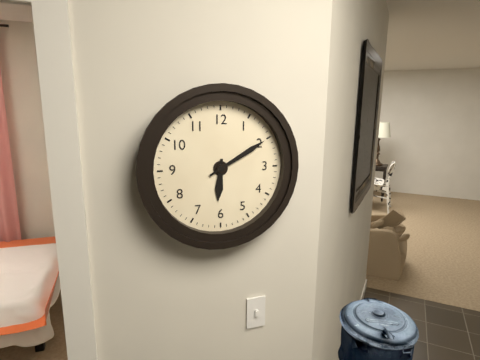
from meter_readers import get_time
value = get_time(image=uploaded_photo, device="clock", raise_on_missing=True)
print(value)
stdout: 6:10
